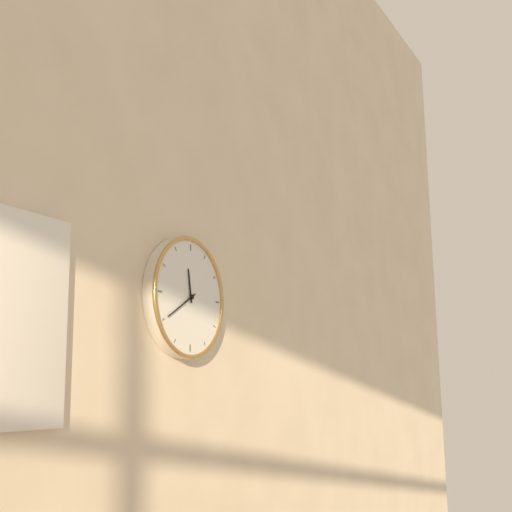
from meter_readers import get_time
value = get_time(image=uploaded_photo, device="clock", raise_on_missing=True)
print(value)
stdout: 11:40
